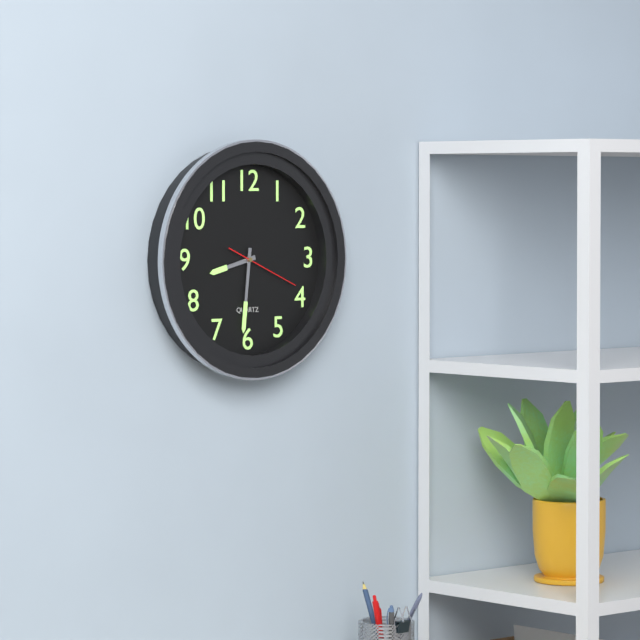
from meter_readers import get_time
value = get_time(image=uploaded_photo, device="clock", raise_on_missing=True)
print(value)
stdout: 8:31:19
